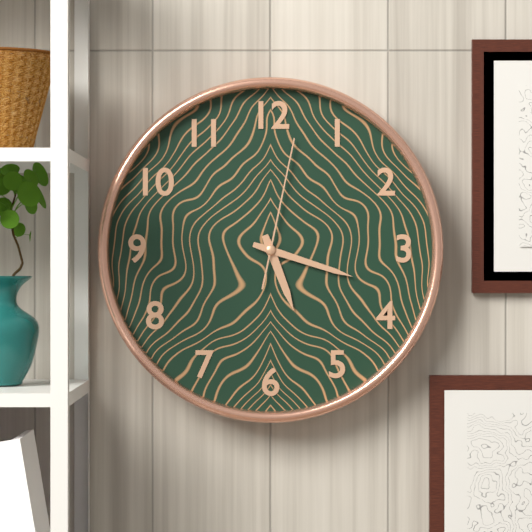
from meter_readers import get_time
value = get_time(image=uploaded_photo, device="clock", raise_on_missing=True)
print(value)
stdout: 5:18:02
